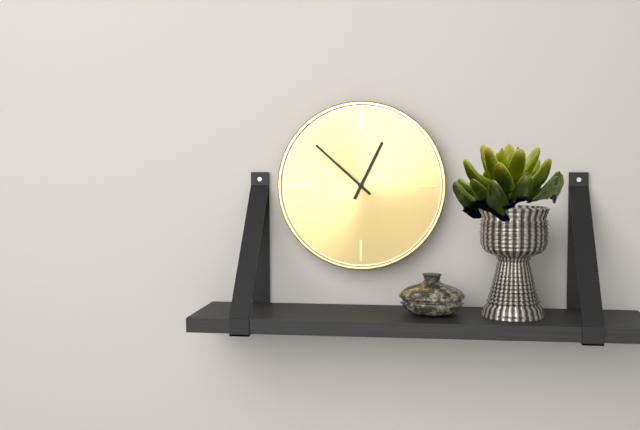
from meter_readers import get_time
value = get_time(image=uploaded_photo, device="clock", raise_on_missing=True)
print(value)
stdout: 12:52
